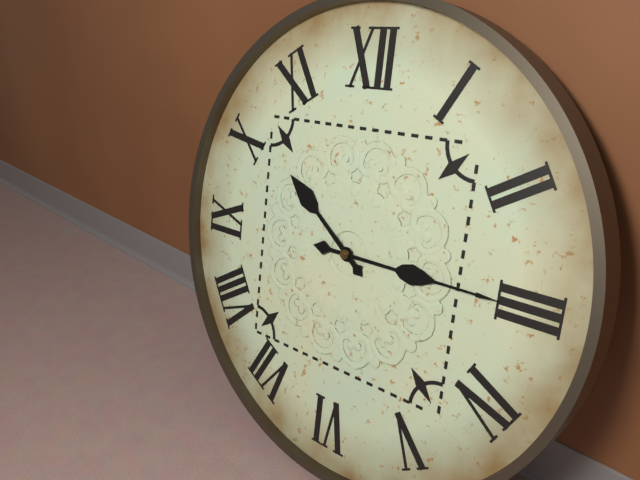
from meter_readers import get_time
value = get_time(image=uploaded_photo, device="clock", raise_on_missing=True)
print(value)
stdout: 10:15
